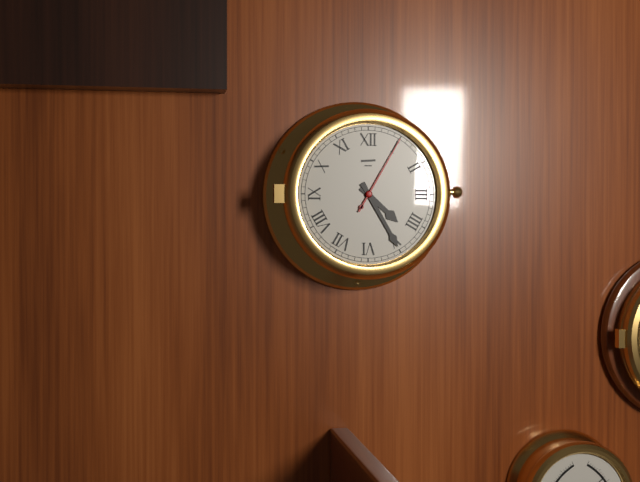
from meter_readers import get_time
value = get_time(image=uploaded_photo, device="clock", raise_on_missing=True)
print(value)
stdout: 4:25:05
